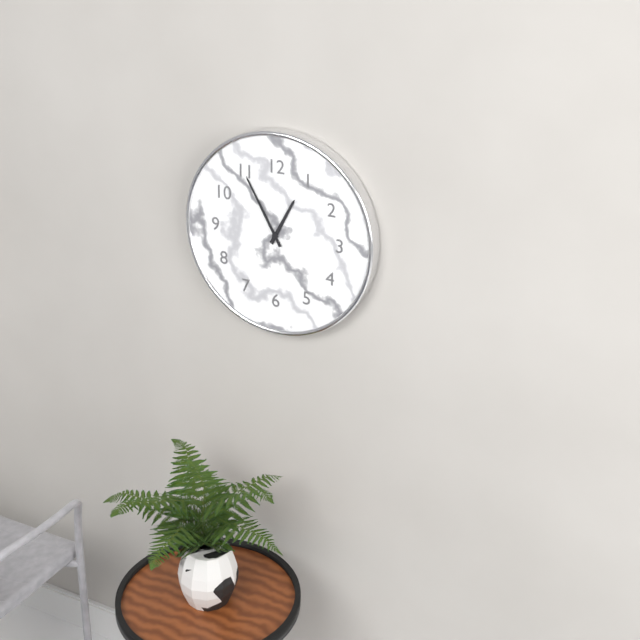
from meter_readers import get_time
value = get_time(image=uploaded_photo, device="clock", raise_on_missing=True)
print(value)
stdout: 12:55
